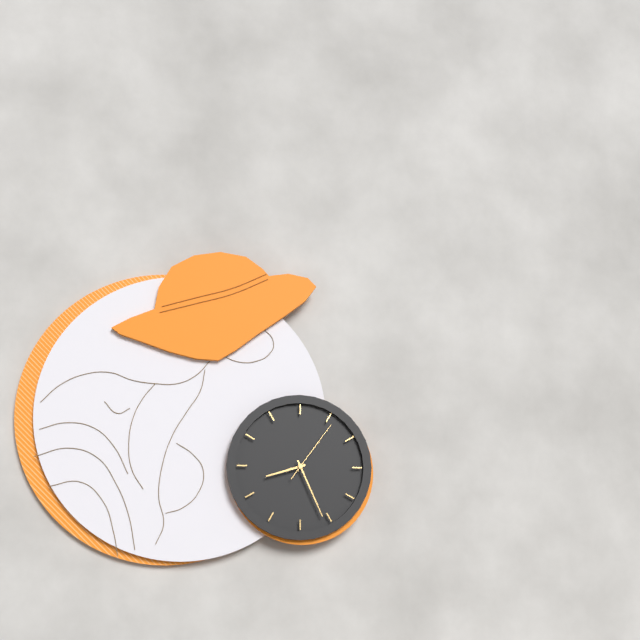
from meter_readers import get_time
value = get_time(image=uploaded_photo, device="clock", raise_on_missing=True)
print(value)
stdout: 8:26:06
